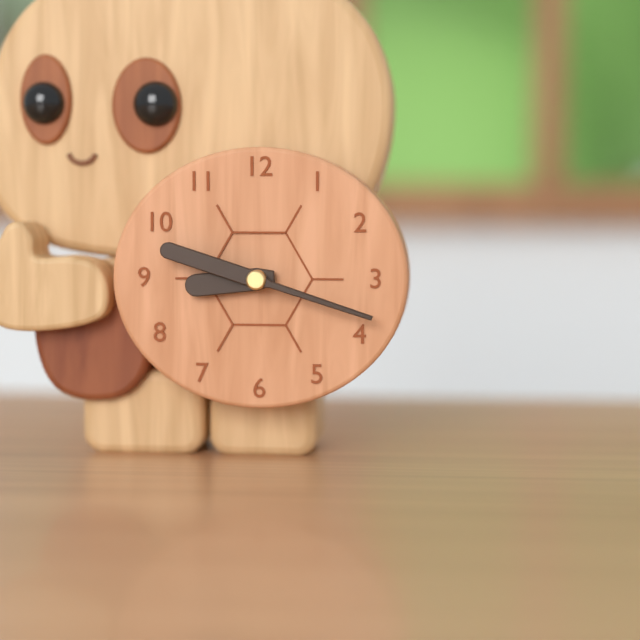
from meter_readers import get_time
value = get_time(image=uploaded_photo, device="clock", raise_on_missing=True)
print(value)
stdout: 8:48
